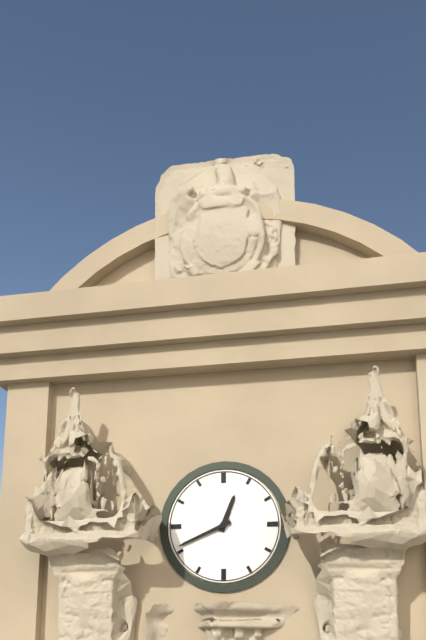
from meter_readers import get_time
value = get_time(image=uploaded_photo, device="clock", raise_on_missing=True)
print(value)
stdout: 12:41
